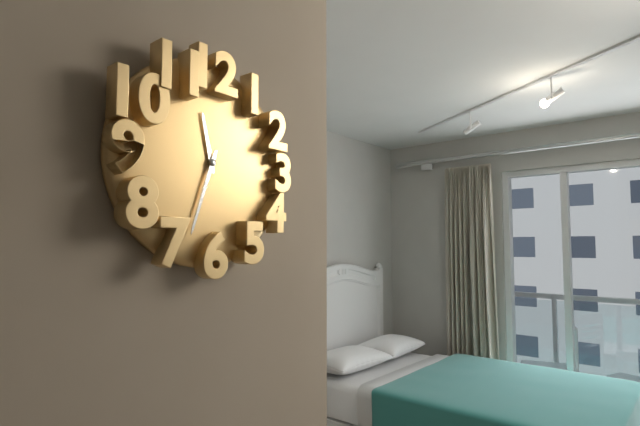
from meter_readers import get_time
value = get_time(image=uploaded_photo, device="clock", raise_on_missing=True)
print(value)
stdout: 11:33
